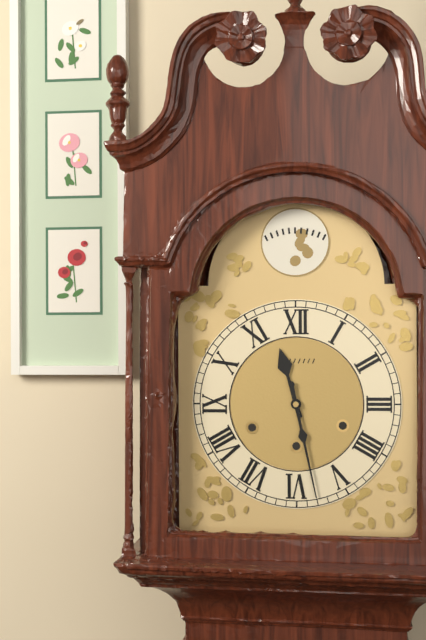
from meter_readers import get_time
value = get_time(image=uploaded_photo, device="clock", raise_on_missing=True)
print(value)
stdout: 11:28
